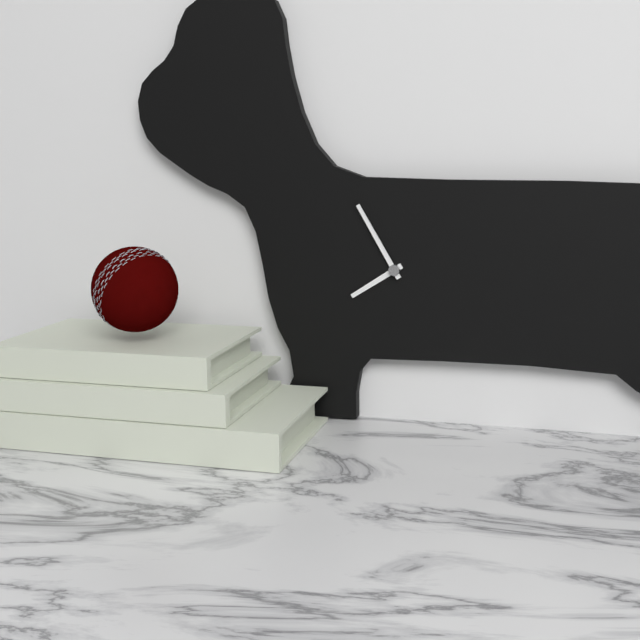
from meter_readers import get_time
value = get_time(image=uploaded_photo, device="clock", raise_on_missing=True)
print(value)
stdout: 7:55
